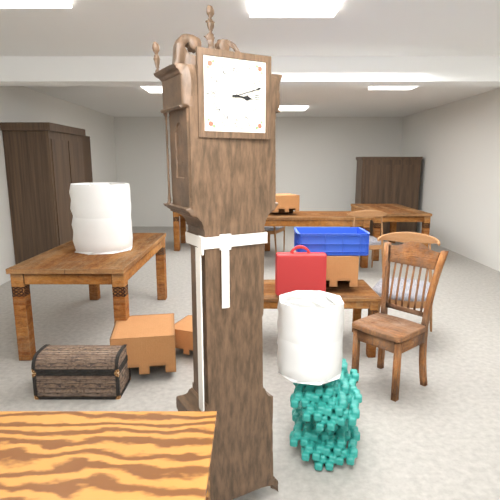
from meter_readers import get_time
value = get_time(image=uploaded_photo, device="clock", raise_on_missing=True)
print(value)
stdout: 3:12
